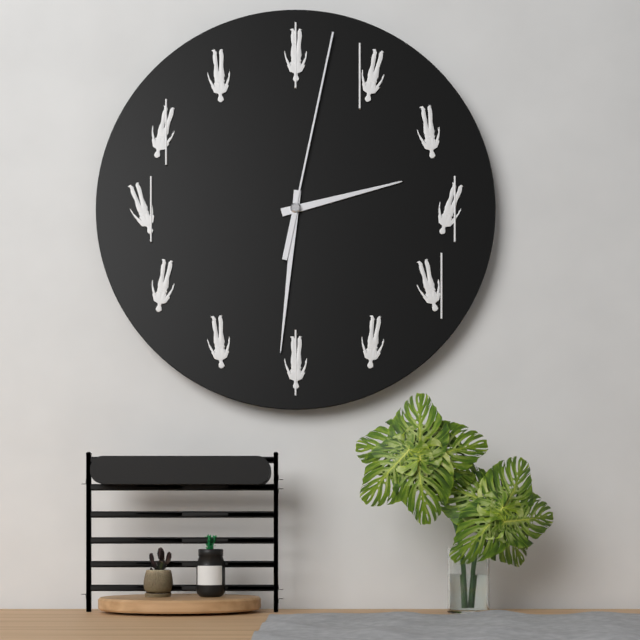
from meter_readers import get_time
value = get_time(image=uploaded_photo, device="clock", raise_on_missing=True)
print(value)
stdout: 2:31:02
